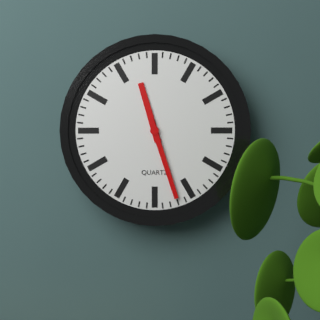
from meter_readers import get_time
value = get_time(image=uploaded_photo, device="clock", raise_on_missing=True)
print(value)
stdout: 11:27
